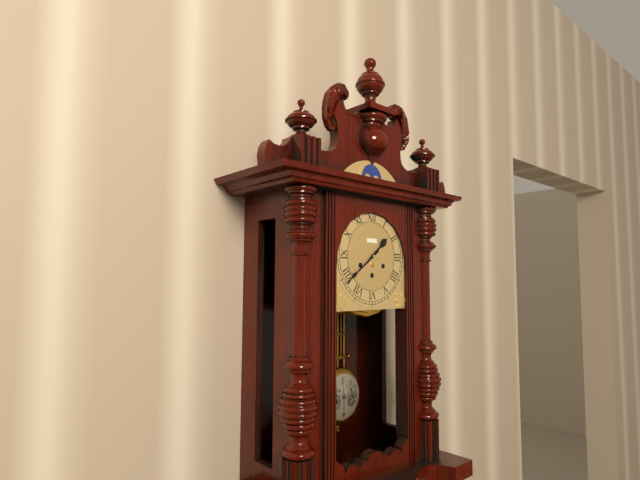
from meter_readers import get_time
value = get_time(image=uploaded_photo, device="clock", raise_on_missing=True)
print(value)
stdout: 1:39
